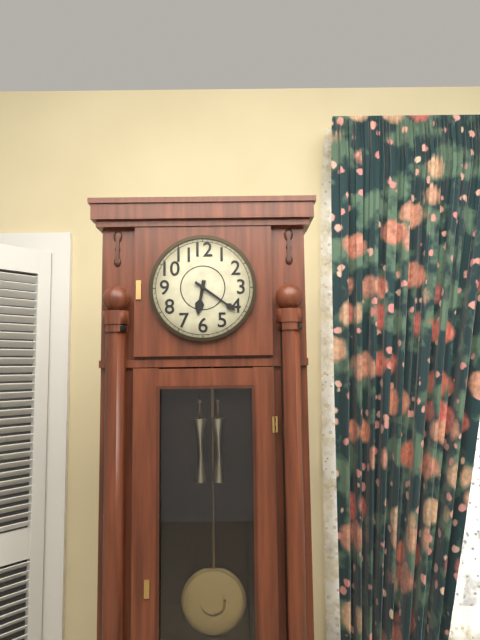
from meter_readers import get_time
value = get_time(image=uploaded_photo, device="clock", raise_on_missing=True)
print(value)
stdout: 6:21
